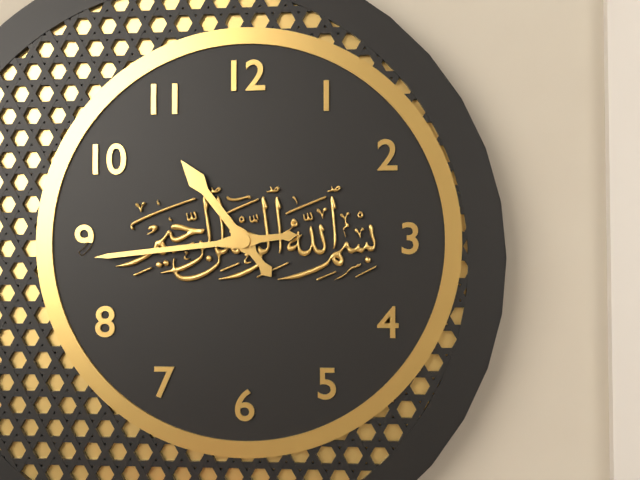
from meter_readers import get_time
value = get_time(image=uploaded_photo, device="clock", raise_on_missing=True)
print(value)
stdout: 10:44
